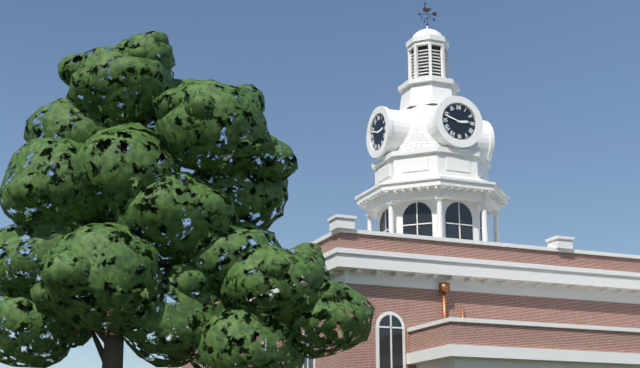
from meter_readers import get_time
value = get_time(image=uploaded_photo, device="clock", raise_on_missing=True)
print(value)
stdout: 2:48
